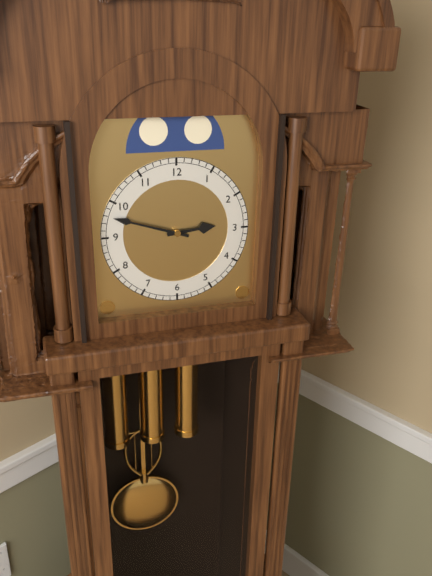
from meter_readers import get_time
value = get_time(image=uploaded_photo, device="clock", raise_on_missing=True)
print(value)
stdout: 2:48
